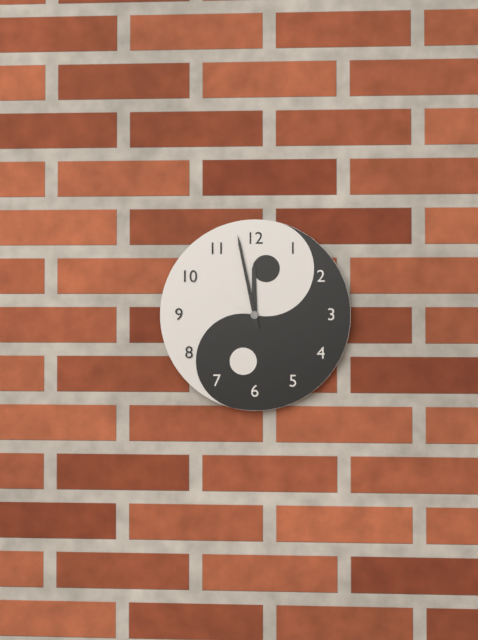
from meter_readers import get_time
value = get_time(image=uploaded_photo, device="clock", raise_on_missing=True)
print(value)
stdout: 11:58
